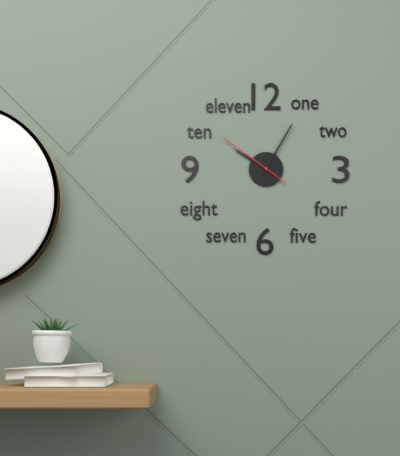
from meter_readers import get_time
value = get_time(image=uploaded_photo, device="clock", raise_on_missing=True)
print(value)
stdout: 10:05:51
